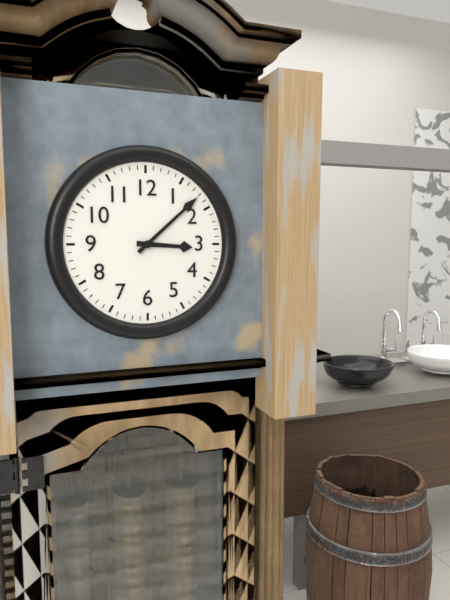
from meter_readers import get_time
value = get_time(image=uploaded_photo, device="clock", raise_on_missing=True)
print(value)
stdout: 3:08
